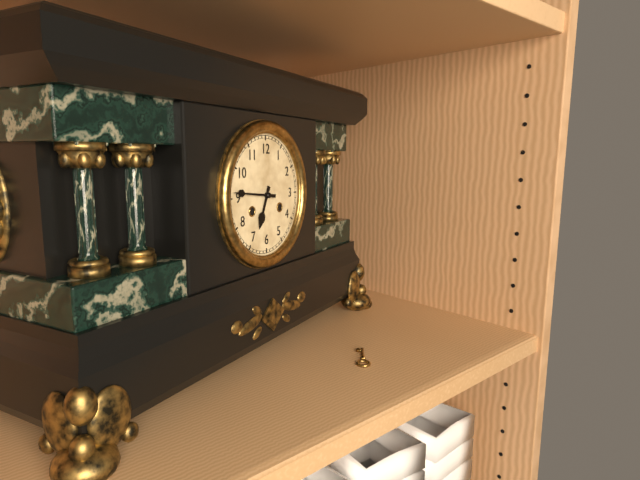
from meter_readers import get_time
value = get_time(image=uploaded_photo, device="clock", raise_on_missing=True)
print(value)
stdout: 6:46
